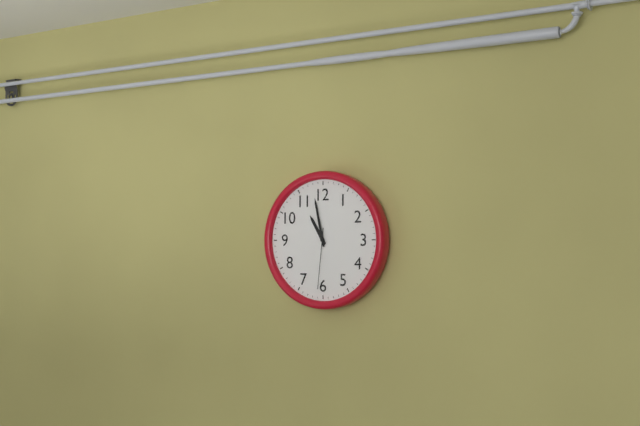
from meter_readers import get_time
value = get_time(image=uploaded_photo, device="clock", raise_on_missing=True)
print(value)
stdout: 10:58:31
